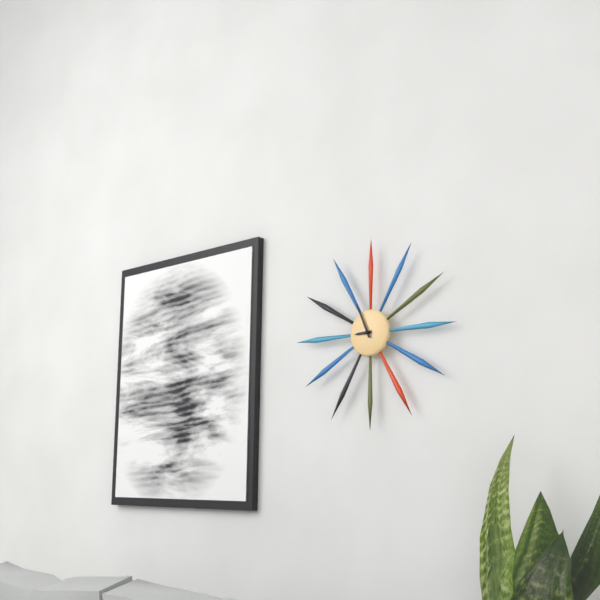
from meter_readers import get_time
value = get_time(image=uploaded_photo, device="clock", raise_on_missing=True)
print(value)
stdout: 8:56
